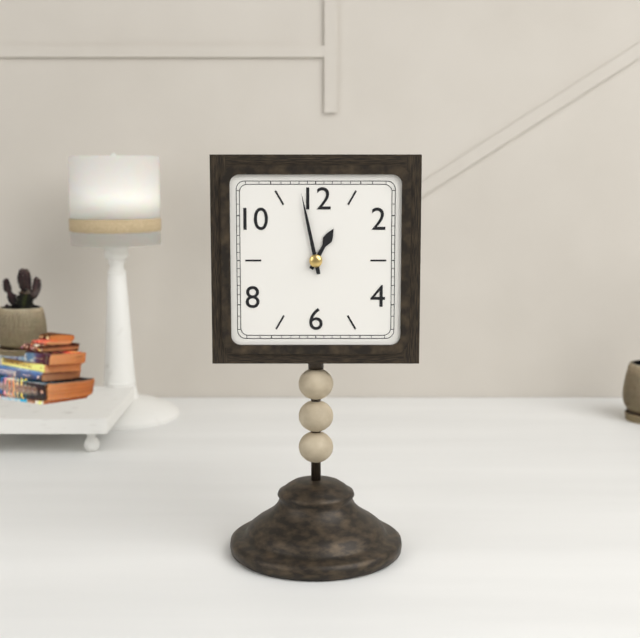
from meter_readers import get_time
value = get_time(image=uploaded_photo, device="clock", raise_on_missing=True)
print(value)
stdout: 12:58
